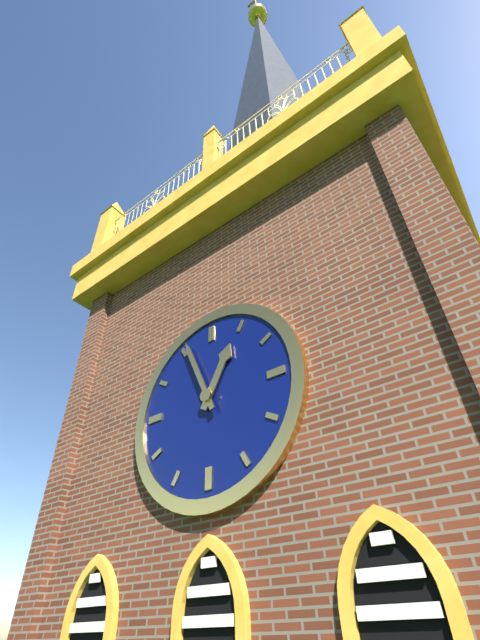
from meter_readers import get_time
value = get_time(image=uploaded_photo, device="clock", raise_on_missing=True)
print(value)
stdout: 12:56
